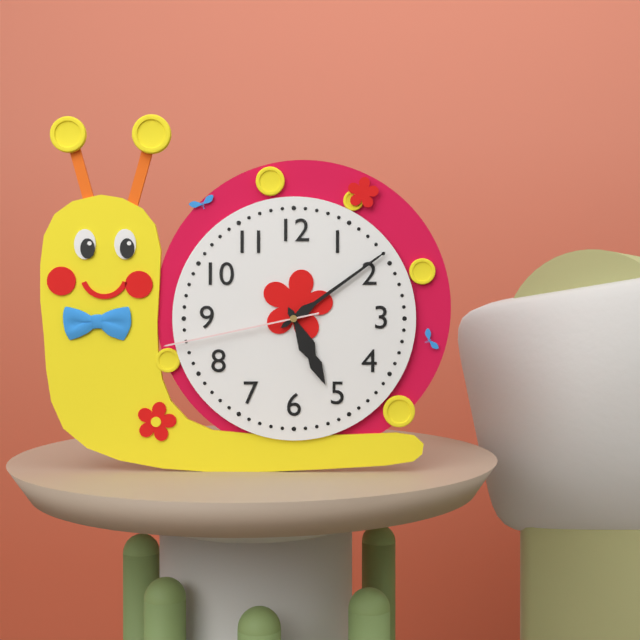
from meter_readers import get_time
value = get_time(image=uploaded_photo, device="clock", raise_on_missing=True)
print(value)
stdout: 5:09:43
